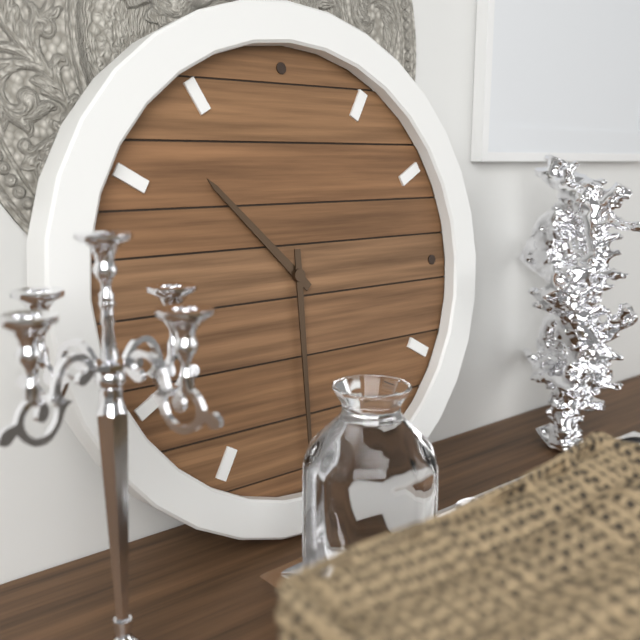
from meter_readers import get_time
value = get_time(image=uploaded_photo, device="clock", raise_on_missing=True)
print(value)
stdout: 10:30
